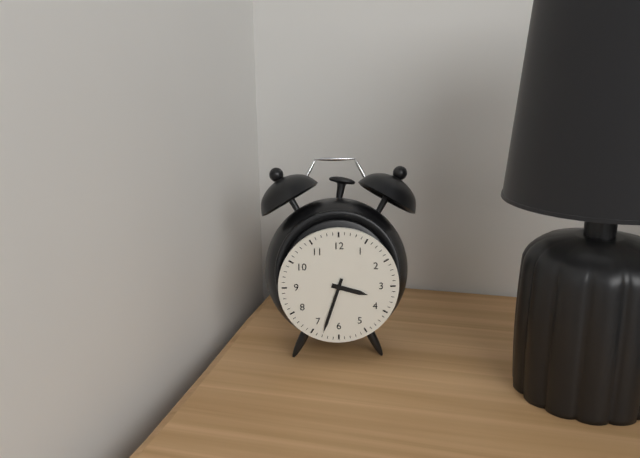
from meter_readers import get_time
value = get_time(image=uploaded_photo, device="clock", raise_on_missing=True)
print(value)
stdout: 3:33
